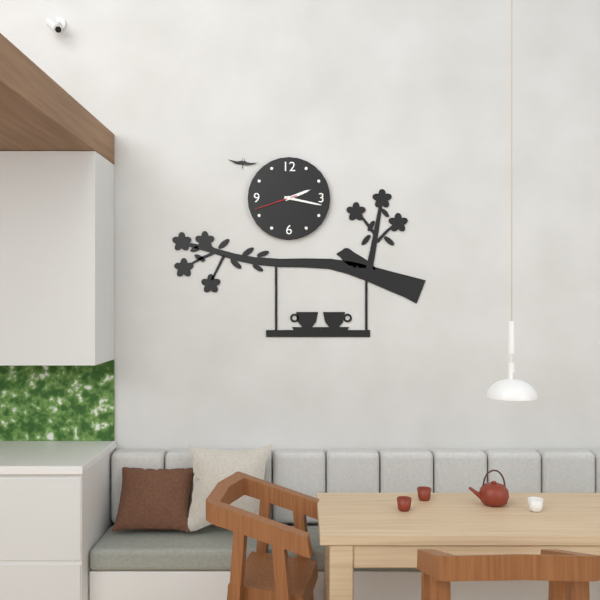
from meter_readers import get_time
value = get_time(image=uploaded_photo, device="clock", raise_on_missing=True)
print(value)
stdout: 2:17
